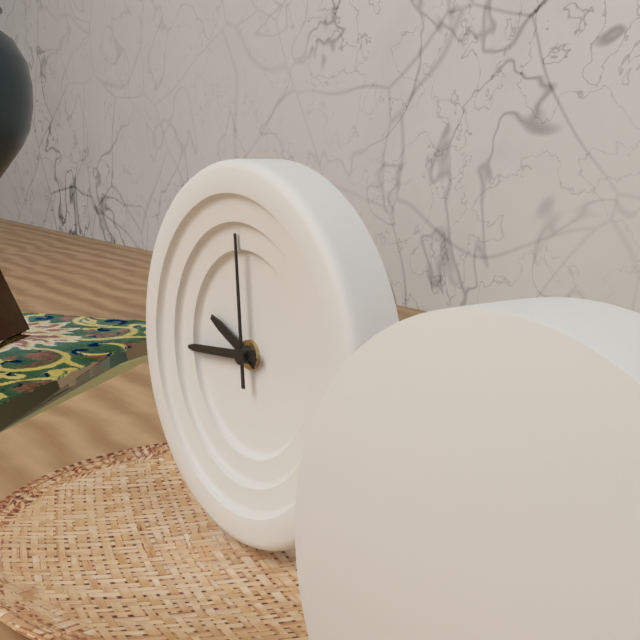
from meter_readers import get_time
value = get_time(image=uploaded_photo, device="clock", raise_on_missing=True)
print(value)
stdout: 9:44:59
